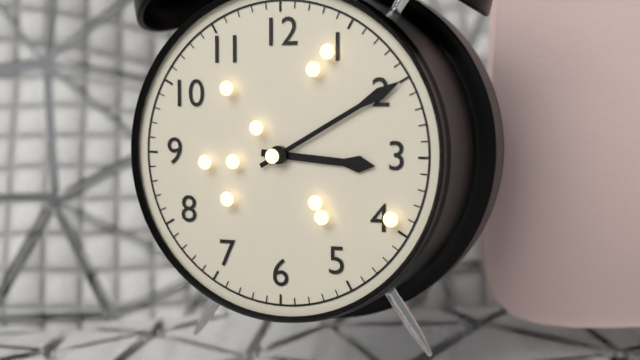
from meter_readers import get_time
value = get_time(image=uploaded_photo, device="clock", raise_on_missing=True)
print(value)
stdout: 3:10
